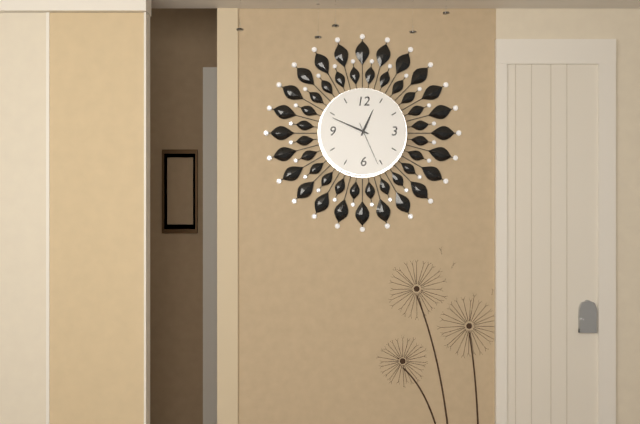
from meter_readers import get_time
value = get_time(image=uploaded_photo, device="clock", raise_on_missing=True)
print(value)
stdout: 12:49
